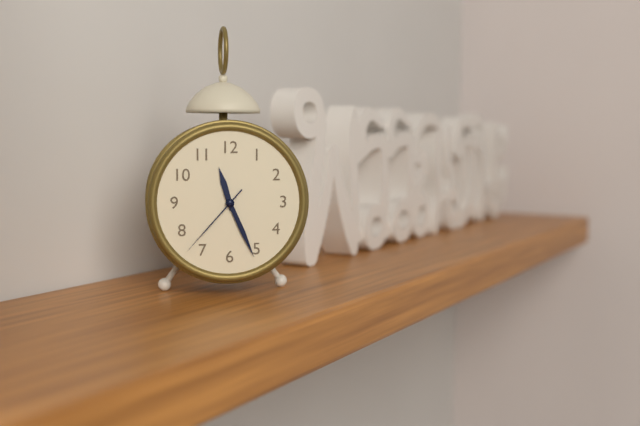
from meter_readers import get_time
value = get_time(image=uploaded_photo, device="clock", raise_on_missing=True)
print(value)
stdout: 11:26:37
